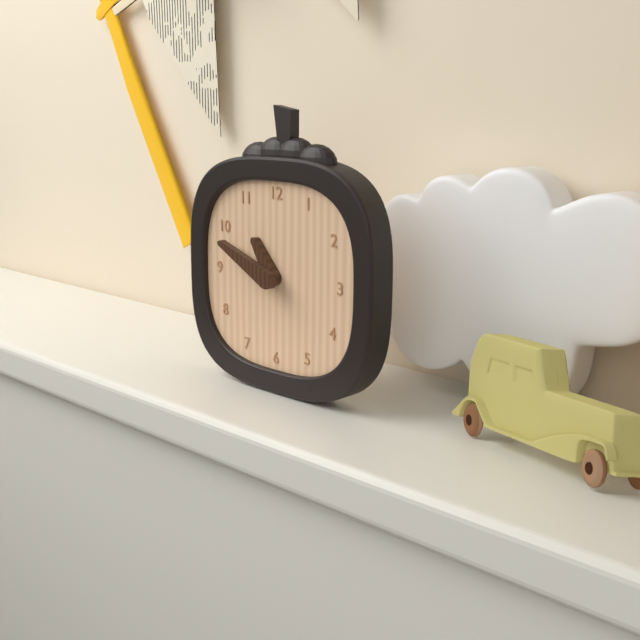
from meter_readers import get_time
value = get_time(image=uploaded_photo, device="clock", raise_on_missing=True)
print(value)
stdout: 10:49
